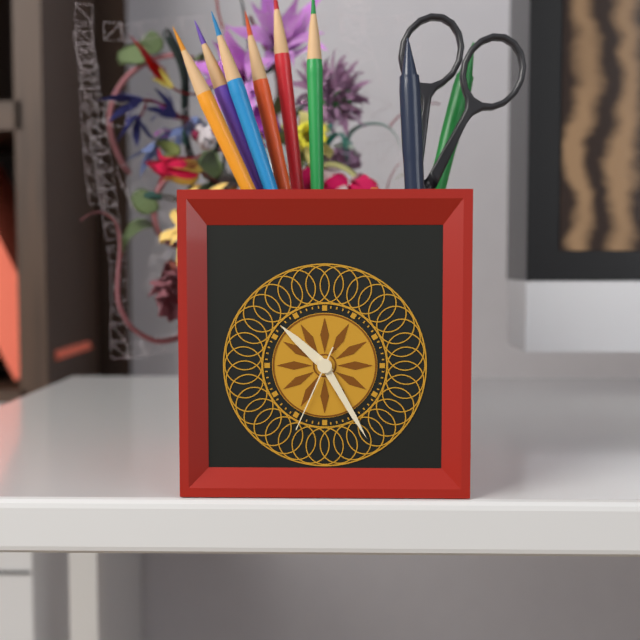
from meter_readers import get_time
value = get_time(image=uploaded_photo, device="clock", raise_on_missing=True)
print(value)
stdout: 10:25:34
